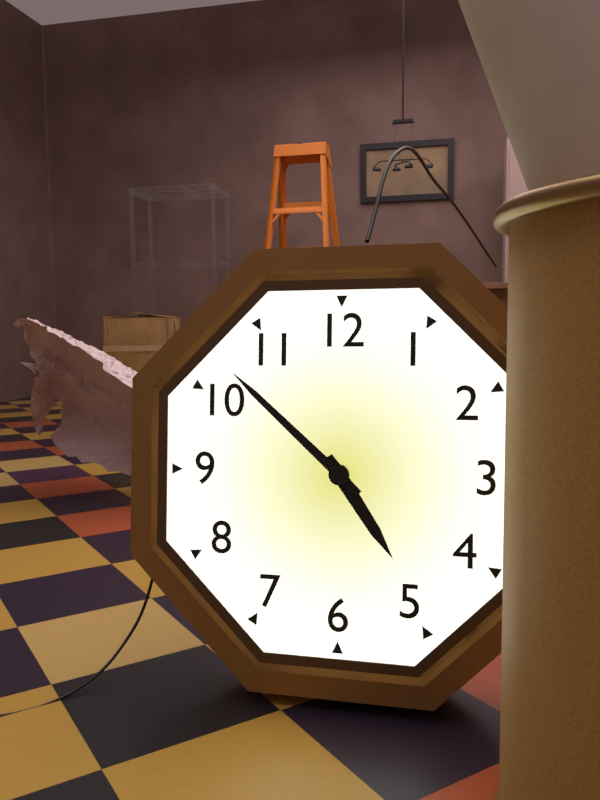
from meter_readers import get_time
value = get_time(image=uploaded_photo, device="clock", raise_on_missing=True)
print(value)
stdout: 4:52
